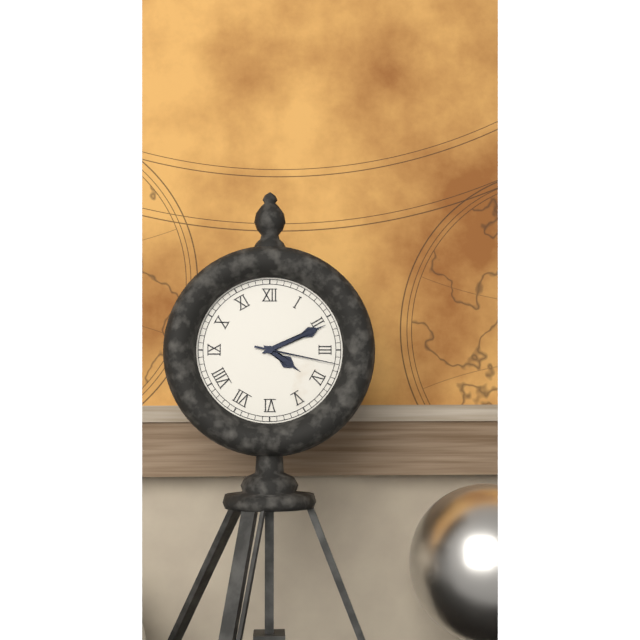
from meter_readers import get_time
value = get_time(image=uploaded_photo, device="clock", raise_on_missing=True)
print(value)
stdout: 4:11:17
